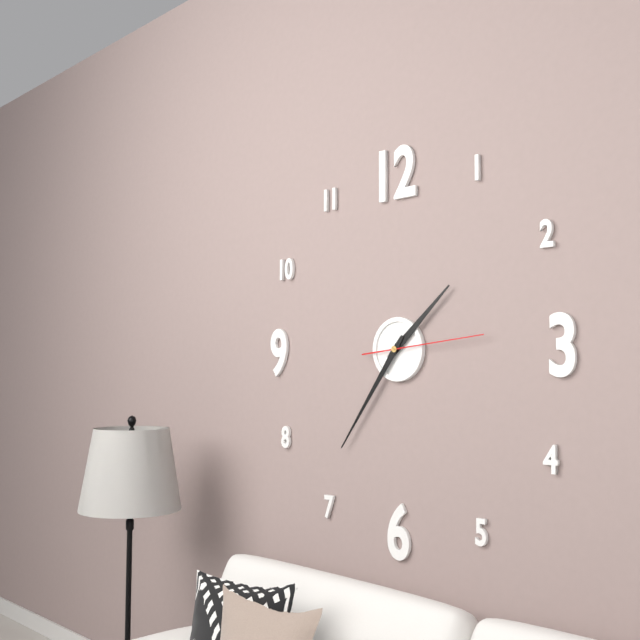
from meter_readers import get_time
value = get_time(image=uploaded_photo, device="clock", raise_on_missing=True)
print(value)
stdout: 1:36:14
